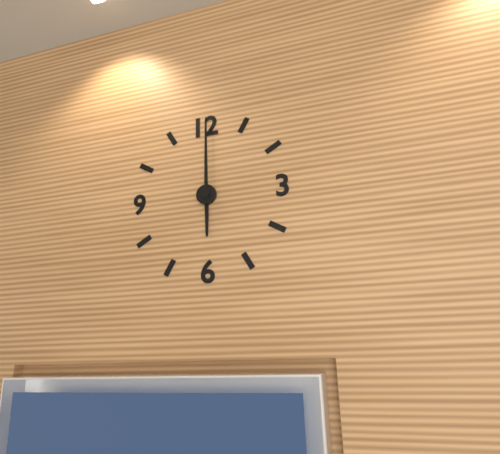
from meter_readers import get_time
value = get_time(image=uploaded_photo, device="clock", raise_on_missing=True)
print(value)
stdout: 6:00
